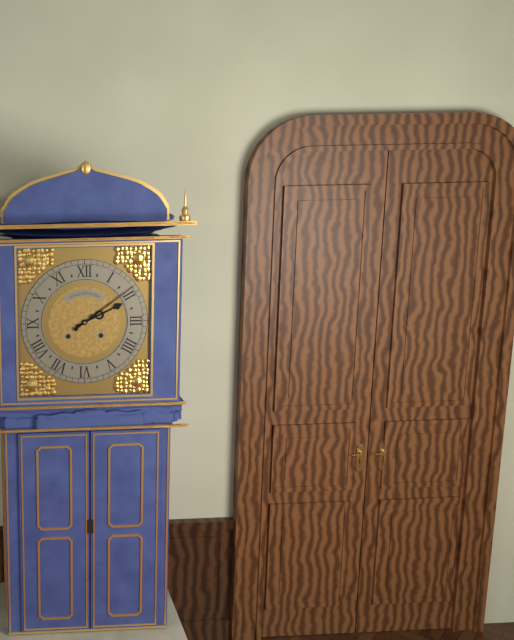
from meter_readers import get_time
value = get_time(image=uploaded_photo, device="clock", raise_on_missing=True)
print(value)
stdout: 2:09
